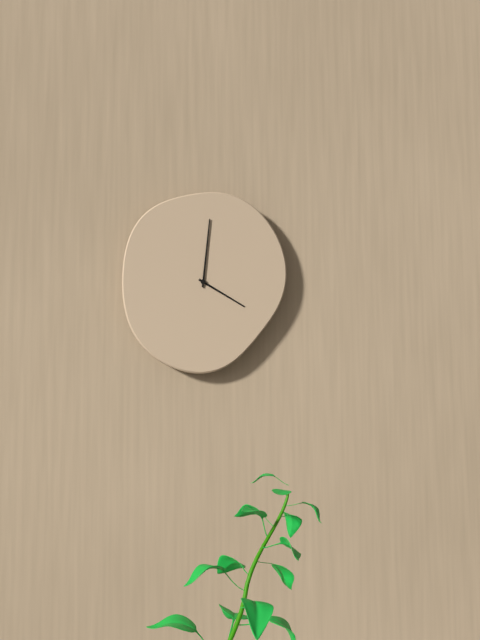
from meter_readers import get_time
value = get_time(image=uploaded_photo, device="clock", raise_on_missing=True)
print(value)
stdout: 4:01
